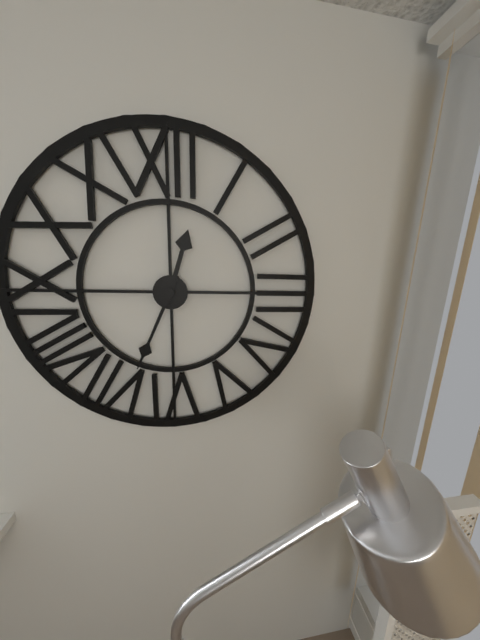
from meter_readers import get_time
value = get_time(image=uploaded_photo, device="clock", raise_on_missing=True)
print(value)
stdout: 12:34
